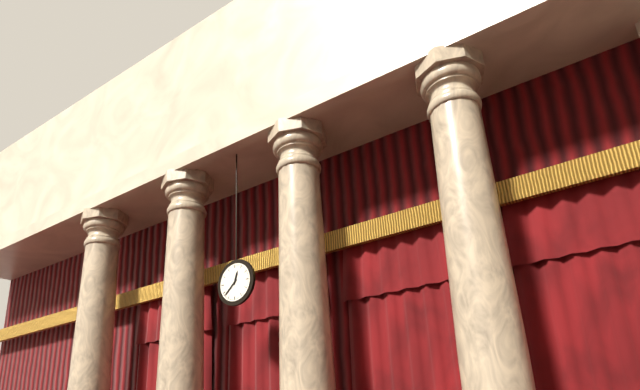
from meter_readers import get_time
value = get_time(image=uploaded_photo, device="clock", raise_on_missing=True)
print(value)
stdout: 12:38
